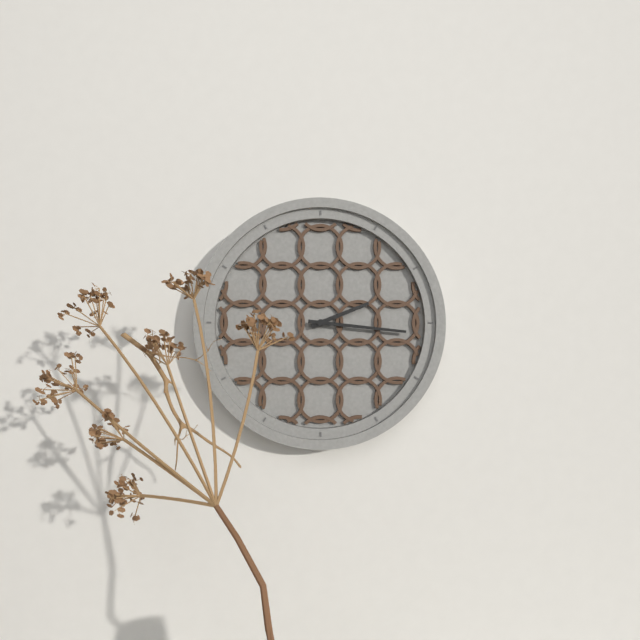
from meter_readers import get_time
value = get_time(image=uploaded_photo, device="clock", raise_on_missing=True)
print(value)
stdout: 2:16
